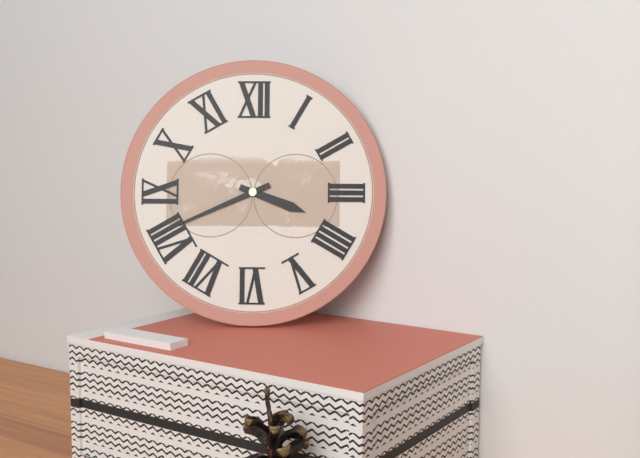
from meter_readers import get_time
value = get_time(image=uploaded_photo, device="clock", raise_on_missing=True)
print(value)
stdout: 3:41
